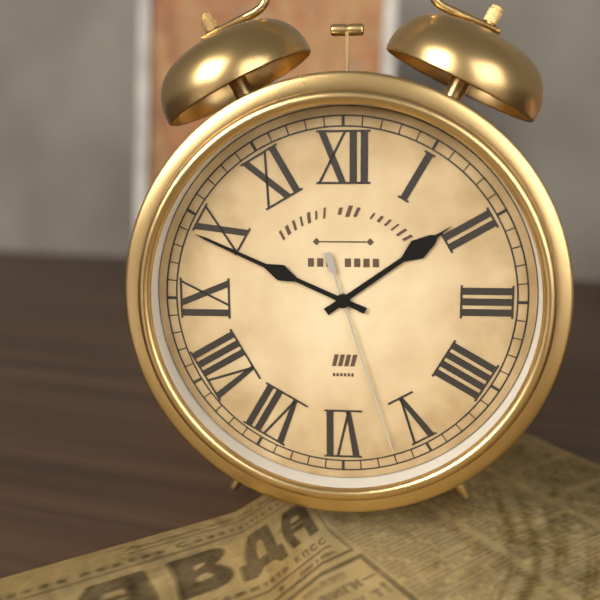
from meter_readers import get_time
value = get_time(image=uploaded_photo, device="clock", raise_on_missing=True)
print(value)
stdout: 1:49:27
